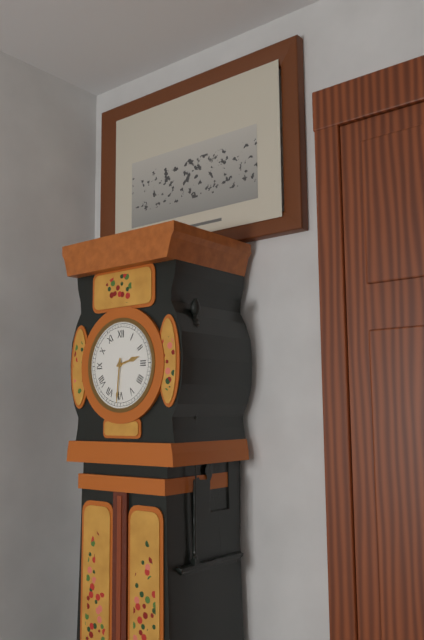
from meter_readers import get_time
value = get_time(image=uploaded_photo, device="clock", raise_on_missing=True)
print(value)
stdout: 2:31
